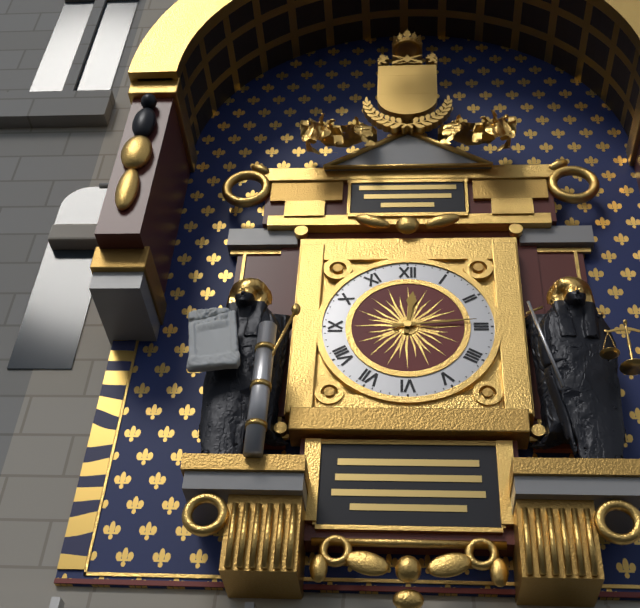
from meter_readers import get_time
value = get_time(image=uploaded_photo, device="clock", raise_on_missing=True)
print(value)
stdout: 12:14
